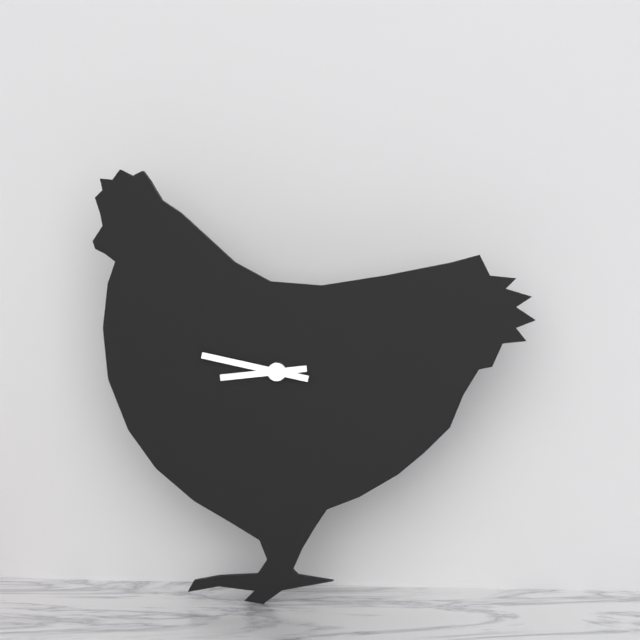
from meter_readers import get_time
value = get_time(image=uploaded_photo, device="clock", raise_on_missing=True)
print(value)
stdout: 8:47
